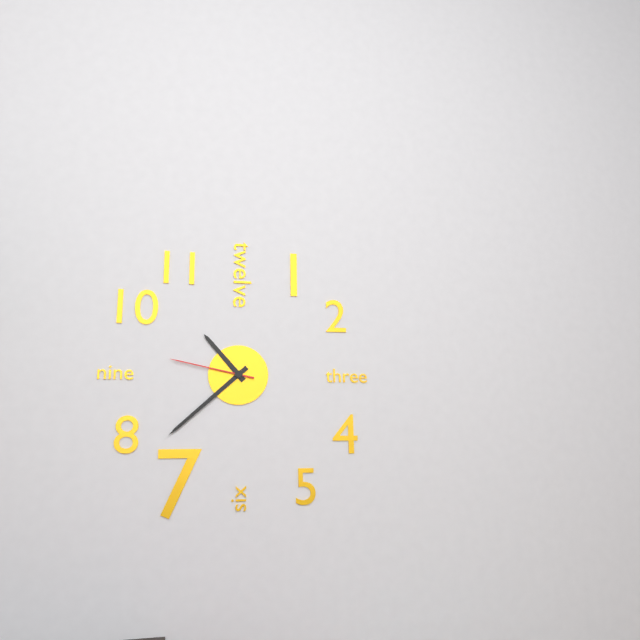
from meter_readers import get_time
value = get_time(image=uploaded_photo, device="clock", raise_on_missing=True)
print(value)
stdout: 10:38:47
